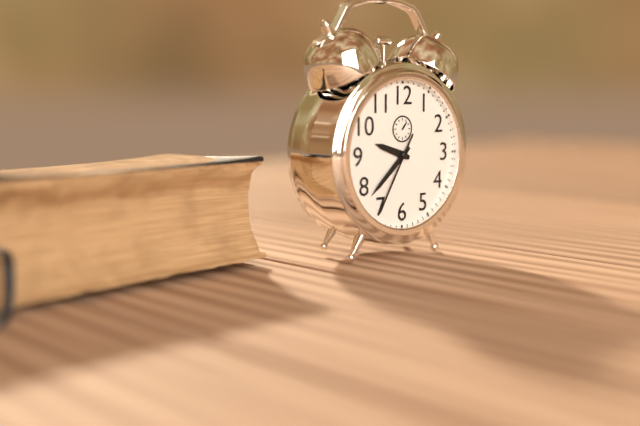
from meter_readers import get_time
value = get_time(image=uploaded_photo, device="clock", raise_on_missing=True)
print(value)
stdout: 9:38:35
